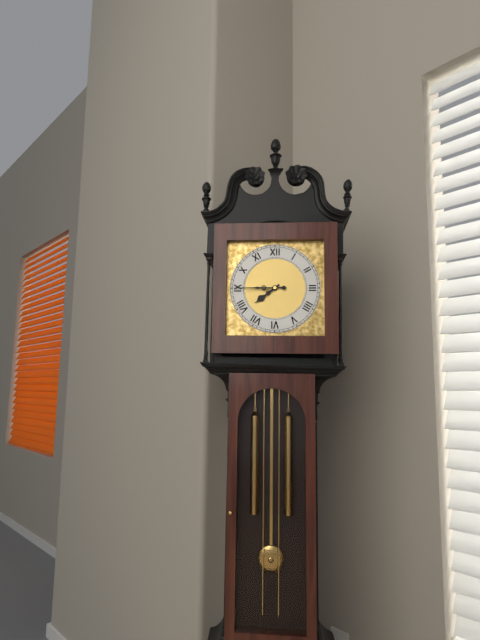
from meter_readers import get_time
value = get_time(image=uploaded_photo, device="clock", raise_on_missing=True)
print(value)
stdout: 7:45
